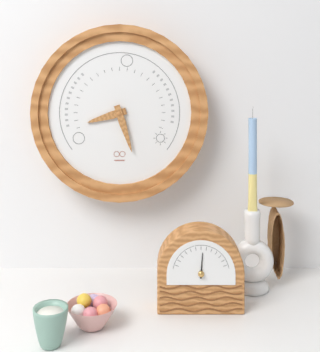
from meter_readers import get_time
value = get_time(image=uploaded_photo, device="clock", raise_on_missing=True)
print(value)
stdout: 8:27
